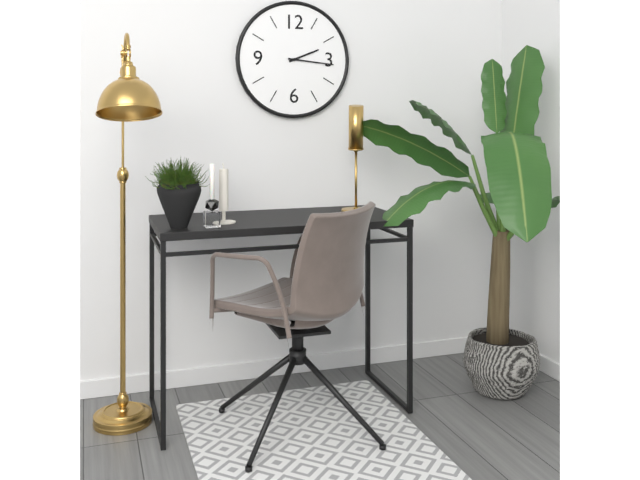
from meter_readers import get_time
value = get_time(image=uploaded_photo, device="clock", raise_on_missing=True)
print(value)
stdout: 2:16
